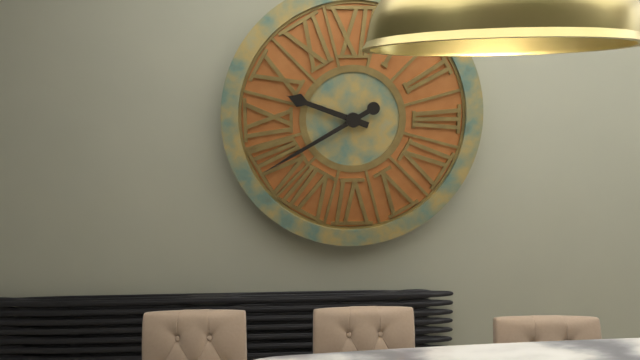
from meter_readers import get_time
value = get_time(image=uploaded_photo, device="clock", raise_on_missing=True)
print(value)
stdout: 9:40
